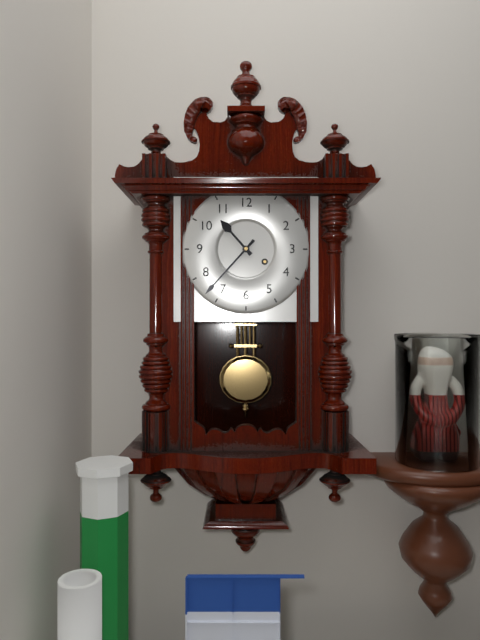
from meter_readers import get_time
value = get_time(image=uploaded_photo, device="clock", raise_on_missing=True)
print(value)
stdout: 10:37
